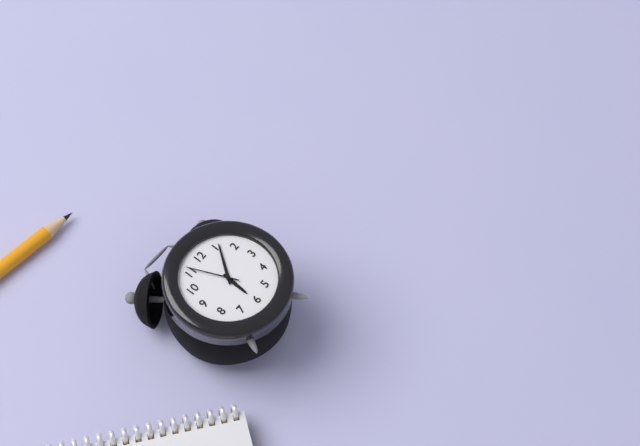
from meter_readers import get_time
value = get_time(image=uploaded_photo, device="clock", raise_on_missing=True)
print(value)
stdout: 6:06:56
